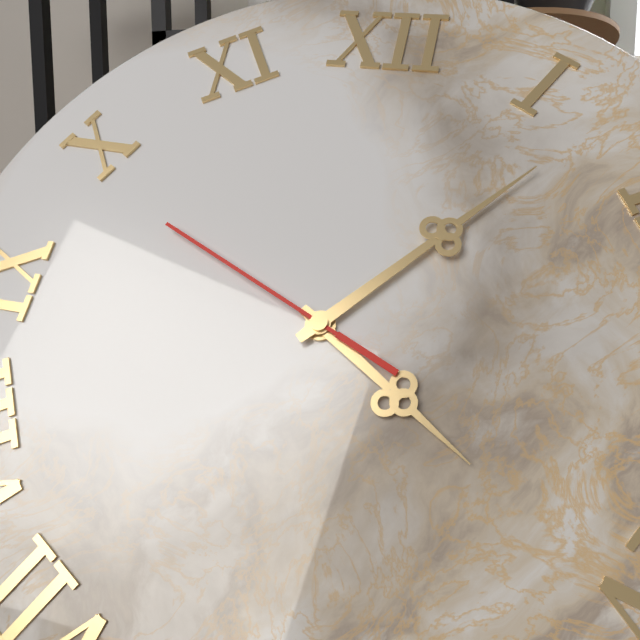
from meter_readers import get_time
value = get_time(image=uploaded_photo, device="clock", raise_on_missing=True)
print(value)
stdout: 4:07:49
